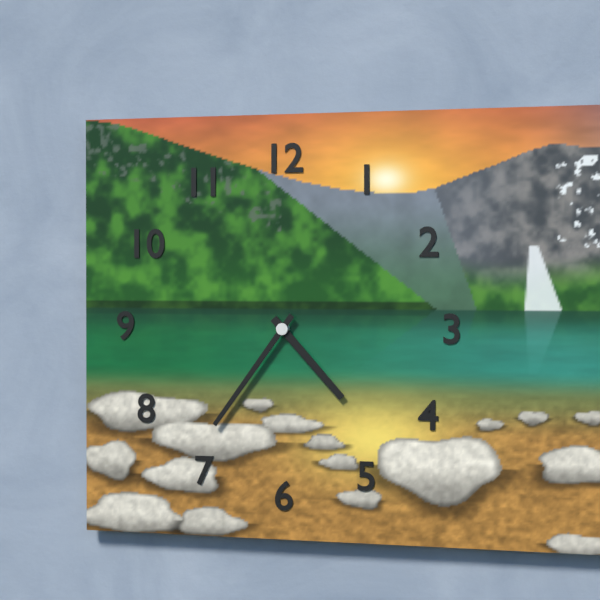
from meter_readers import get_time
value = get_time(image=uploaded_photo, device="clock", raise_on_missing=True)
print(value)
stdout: 4:36
